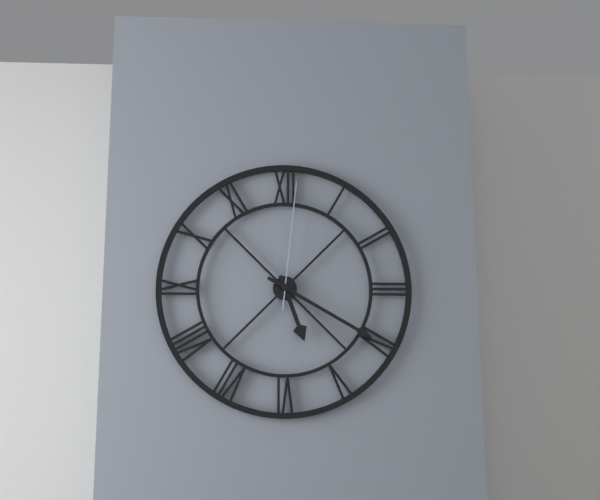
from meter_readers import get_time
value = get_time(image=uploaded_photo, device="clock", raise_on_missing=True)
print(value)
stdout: 5:20:01
